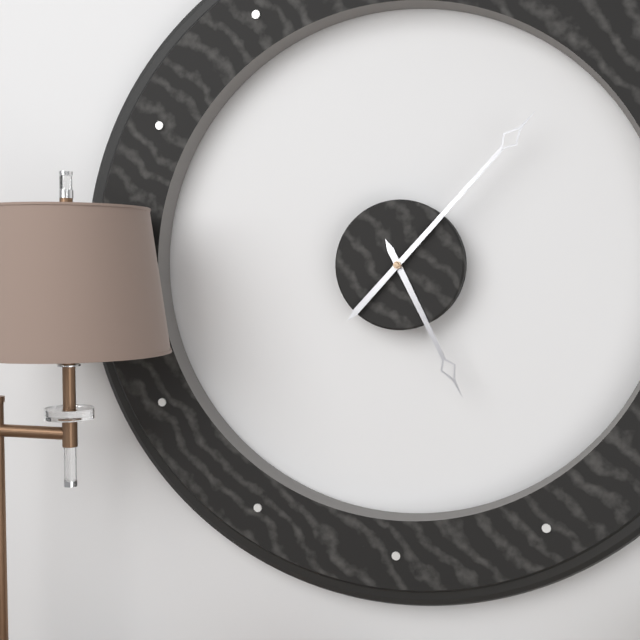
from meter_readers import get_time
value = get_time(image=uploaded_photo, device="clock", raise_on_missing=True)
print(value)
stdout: 5:07
